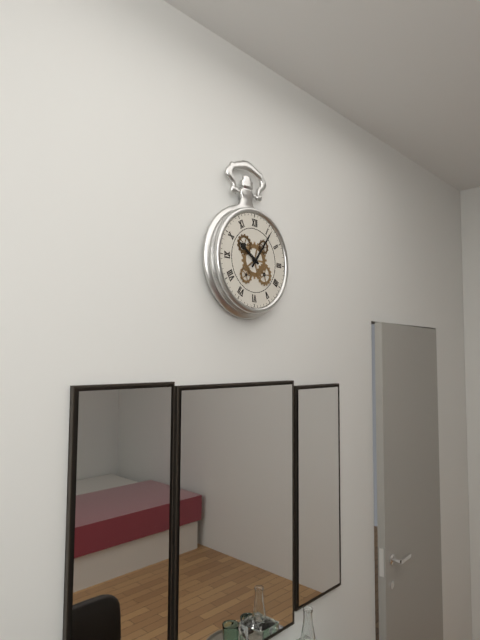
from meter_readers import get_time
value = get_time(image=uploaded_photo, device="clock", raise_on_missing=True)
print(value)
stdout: 10:06
